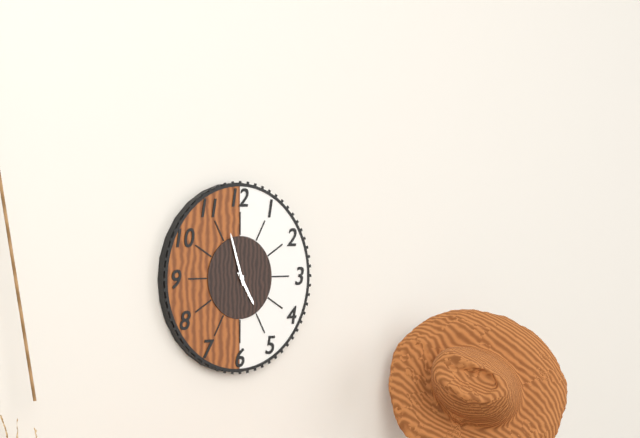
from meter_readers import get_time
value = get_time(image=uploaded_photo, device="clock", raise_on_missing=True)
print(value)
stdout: 4:57
